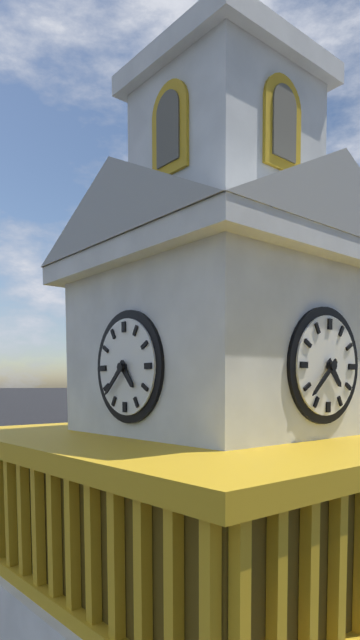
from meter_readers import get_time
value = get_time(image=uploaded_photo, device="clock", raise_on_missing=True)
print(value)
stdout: 4:38
